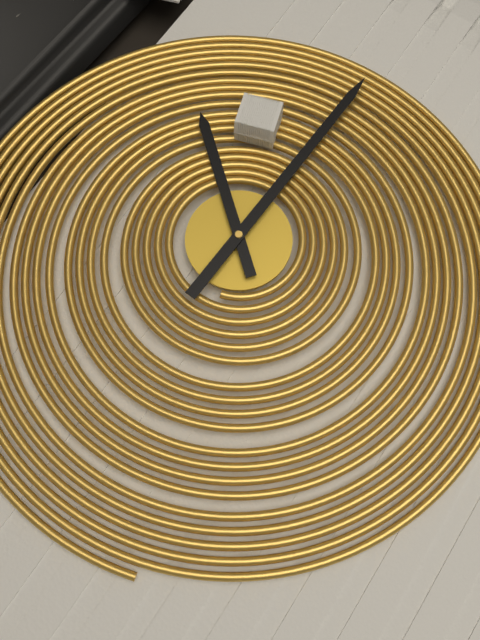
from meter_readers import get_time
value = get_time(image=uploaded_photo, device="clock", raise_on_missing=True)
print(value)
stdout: 1:15
